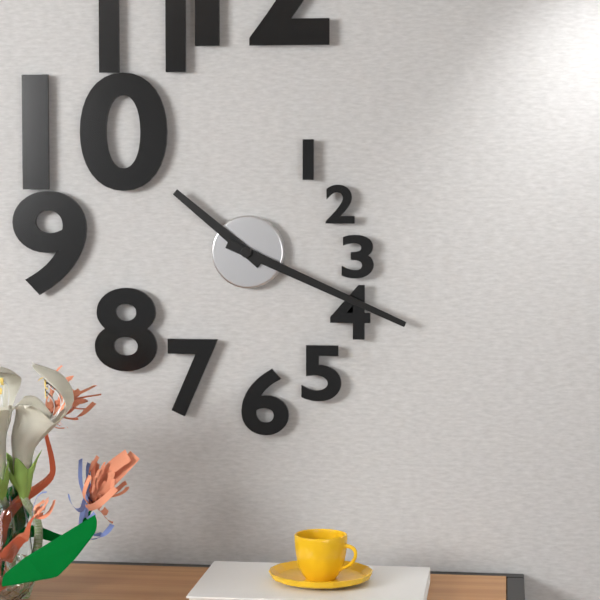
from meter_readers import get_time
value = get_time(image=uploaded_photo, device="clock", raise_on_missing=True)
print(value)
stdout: 10:19
